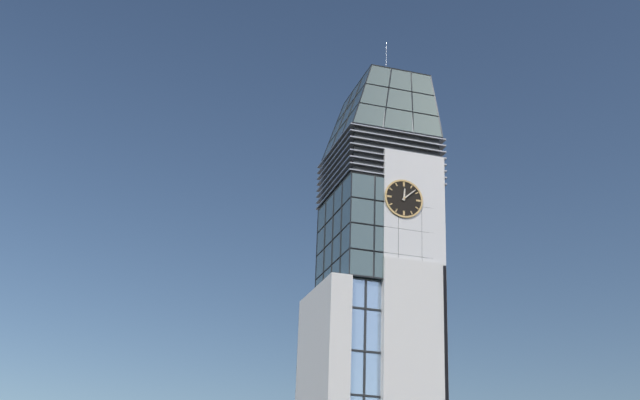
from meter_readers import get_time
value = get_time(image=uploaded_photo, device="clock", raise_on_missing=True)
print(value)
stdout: 12:08
